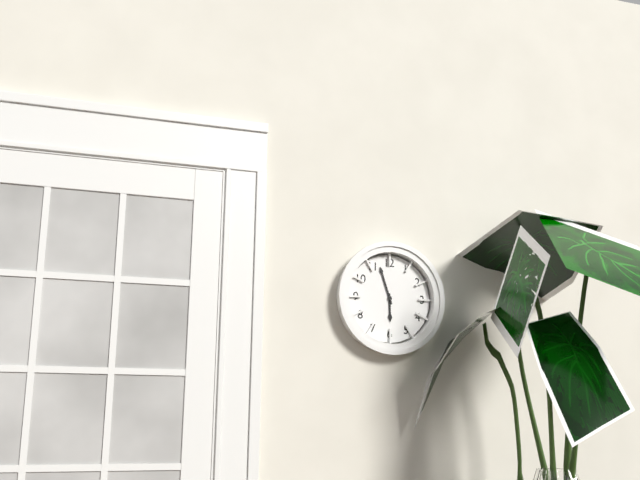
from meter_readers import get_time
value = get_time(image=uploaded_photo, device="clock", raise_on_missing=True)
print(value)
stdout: 5:57
